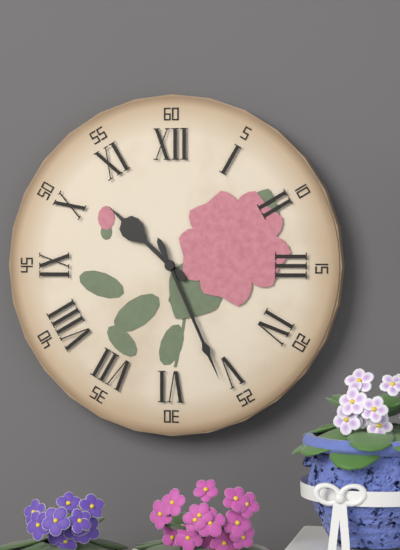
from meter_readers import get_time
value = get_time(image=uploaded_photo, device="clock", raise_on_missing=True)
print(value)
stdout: 10:26
